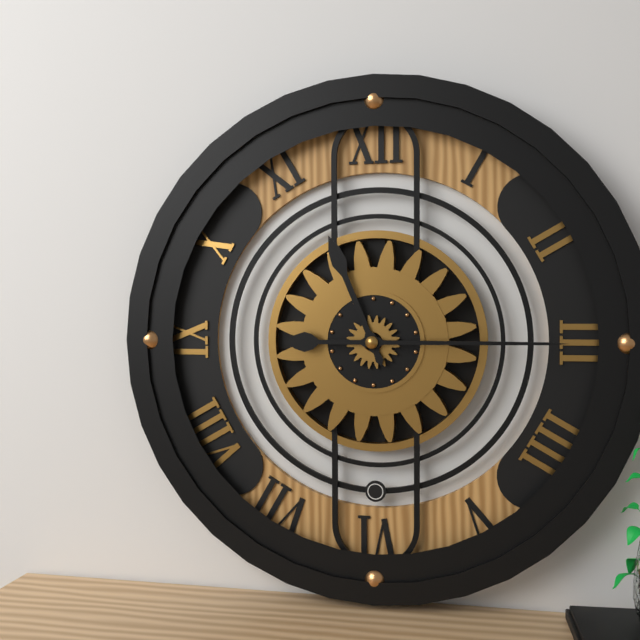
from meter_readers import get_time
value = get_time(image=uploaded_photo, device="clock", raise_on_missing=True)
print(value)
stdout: 11:15
